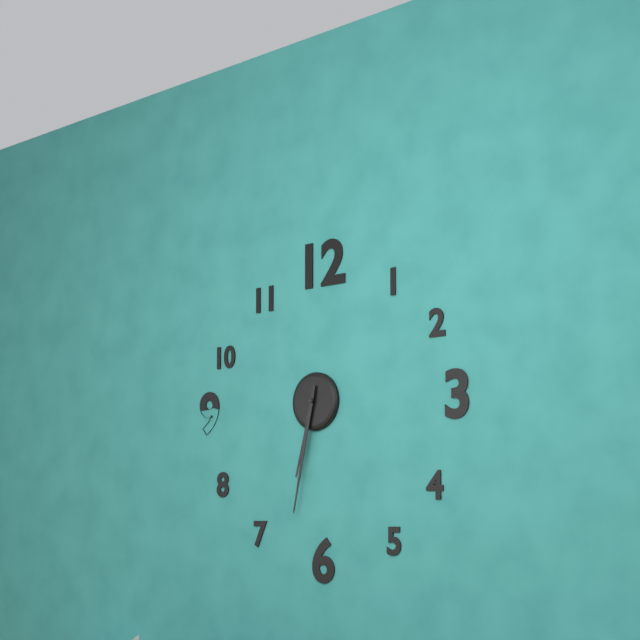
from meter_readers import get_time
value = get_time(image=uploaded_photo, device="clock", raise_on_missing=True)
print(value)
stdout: 6:32
